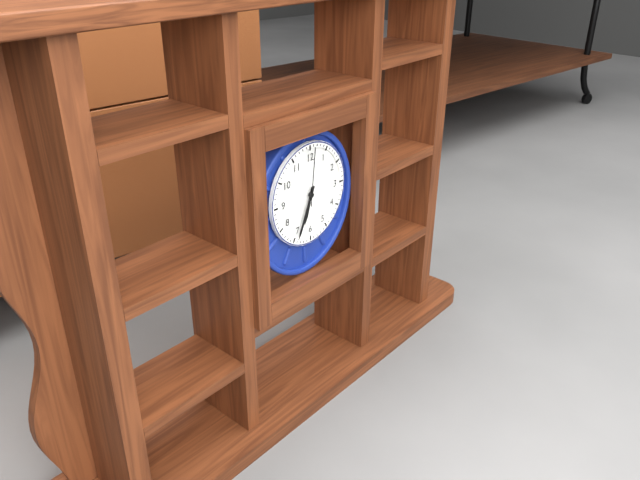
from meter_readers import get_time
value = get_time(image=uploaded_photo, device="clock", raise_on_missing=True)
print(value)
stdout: 6:34:01
